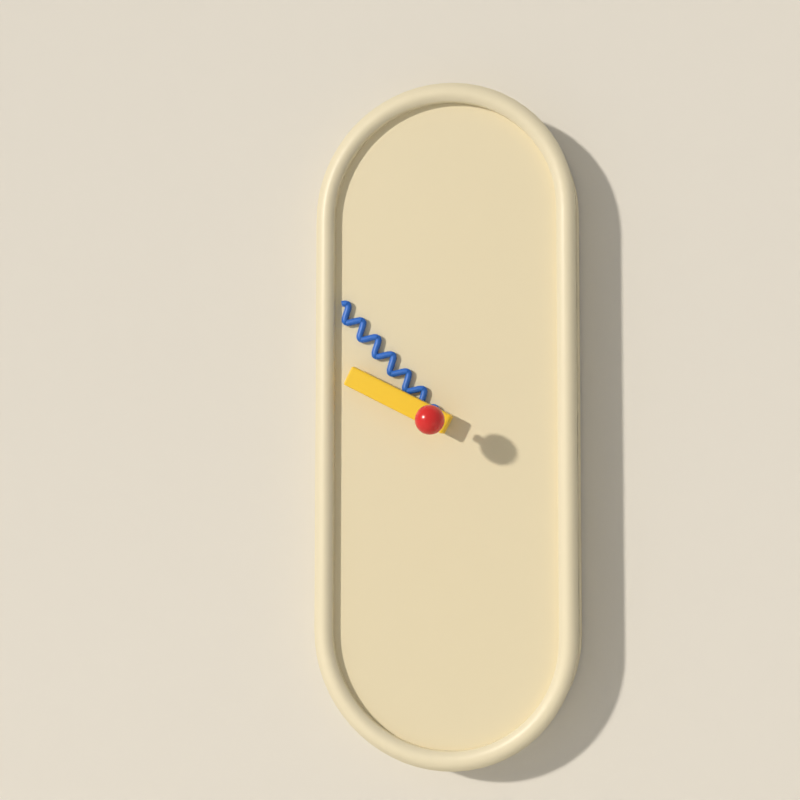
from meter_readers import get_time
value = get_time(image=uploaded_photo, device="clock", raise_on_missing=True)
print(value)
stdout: 9:53
